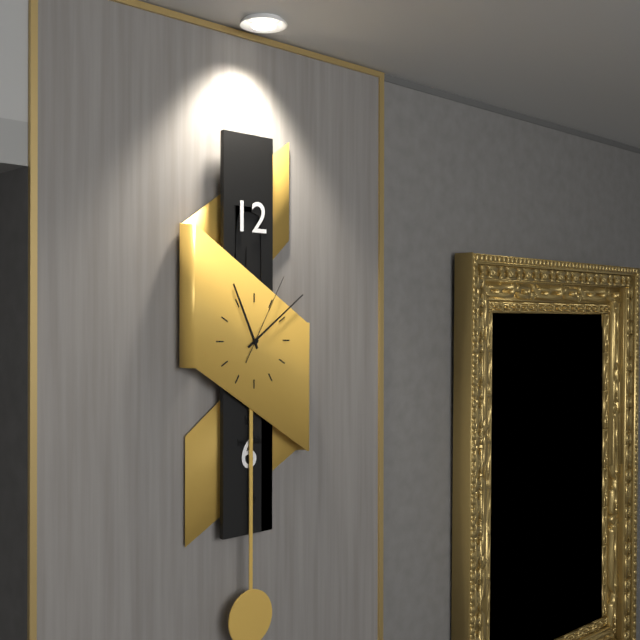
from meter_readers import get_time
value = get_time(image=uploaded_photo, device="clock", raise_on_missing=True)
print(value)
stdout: 11:09:05
